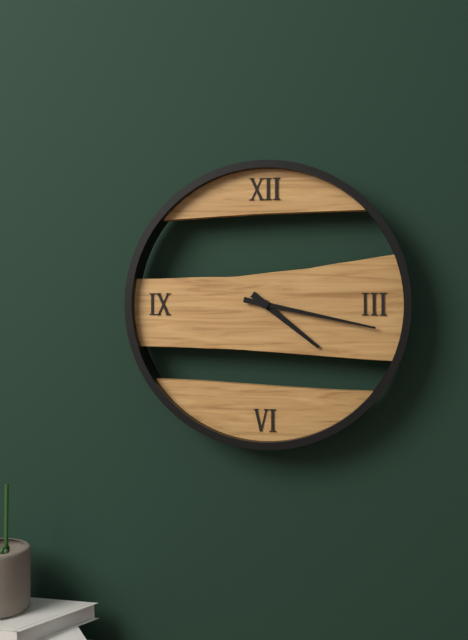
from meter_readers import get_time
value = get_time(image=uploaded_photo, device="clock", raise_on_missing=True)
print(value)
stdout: 4:17
